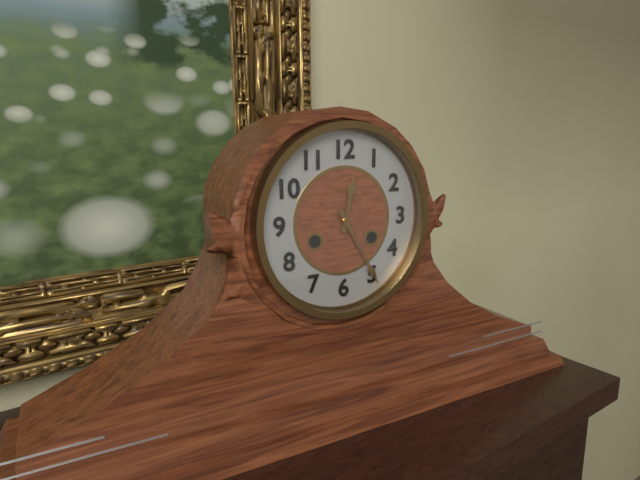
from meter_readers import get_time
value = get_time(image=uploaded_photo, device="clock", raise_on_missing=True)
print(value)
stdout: 12:25
